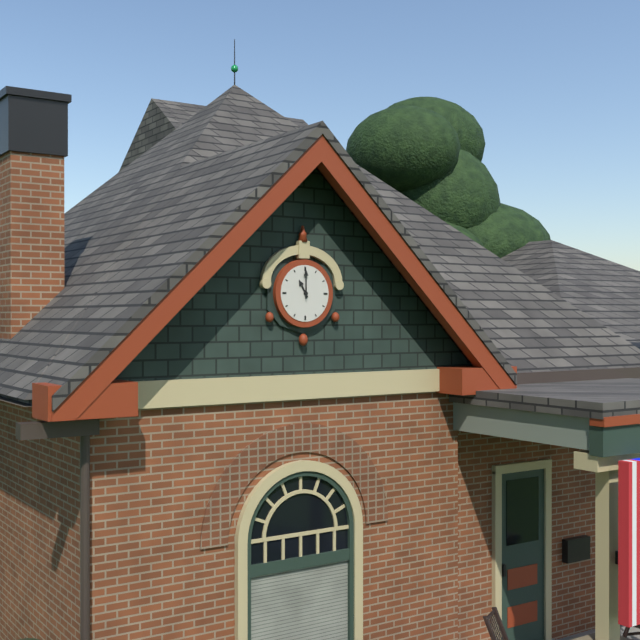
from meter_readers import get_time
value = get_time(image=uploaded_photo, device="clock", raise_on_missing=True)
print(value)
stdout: 11:00
